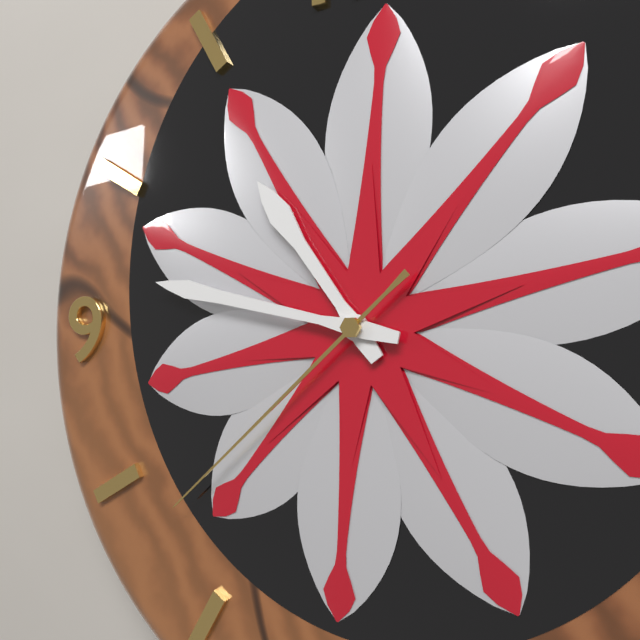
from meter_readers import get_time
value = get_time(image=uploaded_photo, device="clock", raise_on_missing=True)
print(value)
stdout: 10:47:38
